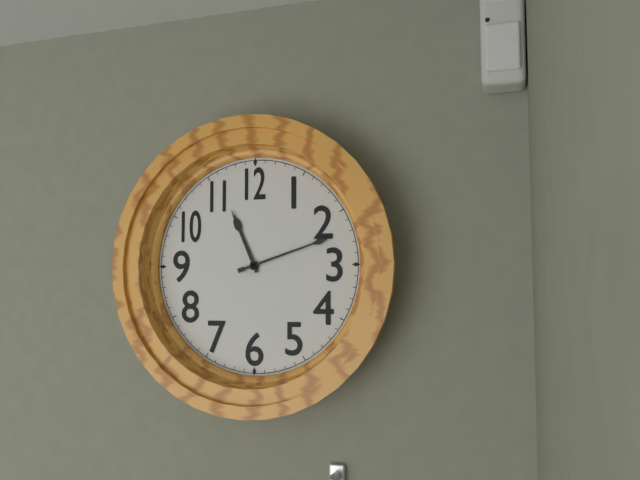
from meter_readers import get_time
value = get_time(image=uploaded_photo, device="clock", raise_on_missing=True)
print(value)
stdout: 11:12
